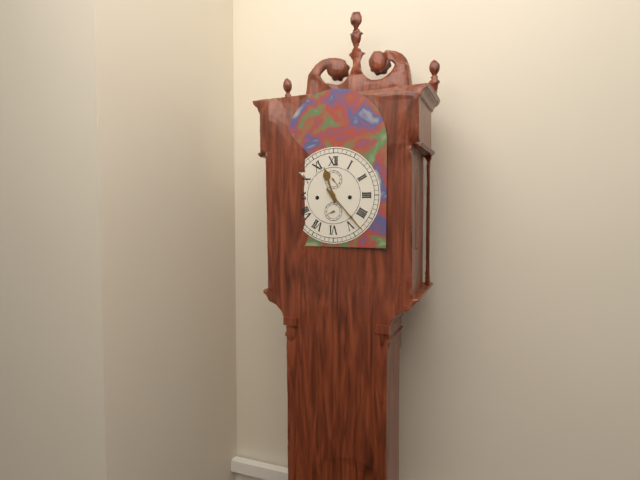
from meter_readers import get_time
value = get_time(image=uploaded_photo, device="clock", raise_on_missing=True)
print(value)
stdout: 11:23
